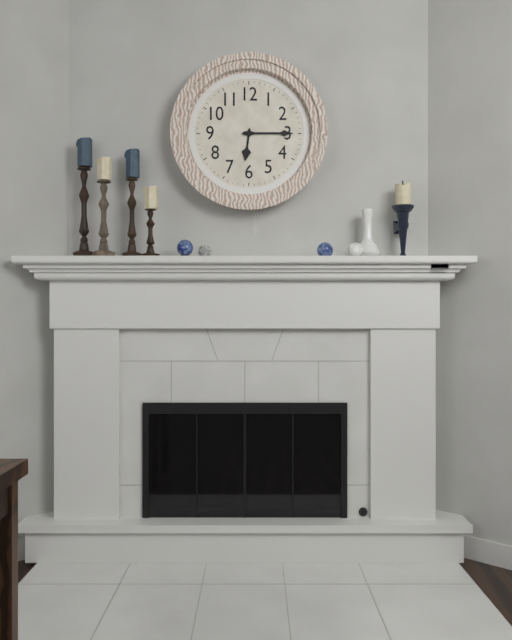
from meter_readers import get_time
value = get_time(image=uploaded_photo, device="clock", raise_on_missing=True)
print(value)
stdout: 6:15
